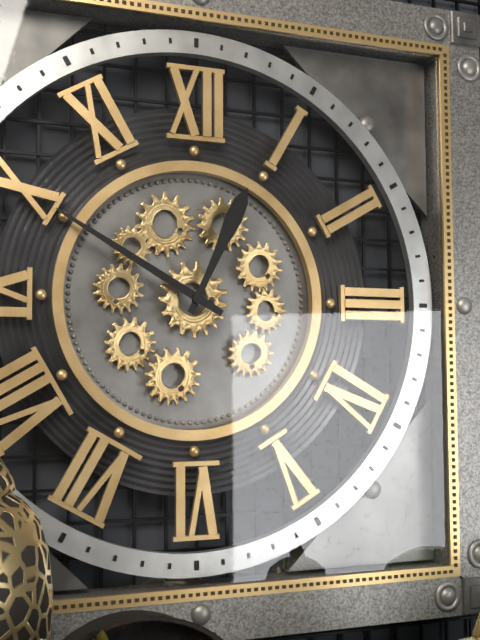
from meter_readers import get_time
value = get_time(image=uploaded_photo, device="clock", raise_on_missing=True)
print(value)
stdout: 12:50
